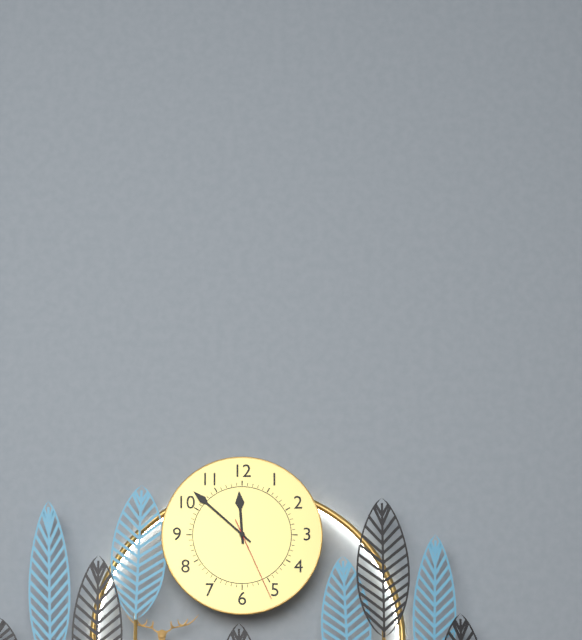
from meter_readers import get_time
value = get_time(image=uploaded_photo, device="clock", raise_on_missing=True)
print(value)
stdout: 11:52:26
